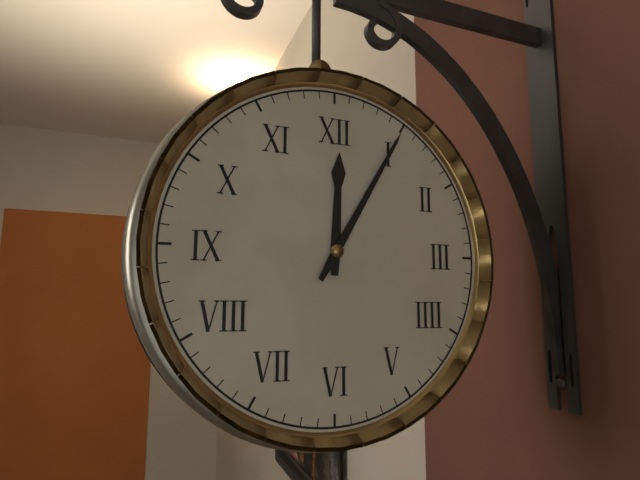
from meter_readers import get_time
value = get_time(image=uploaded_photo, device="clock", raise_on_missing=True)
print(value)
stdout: 12:05
